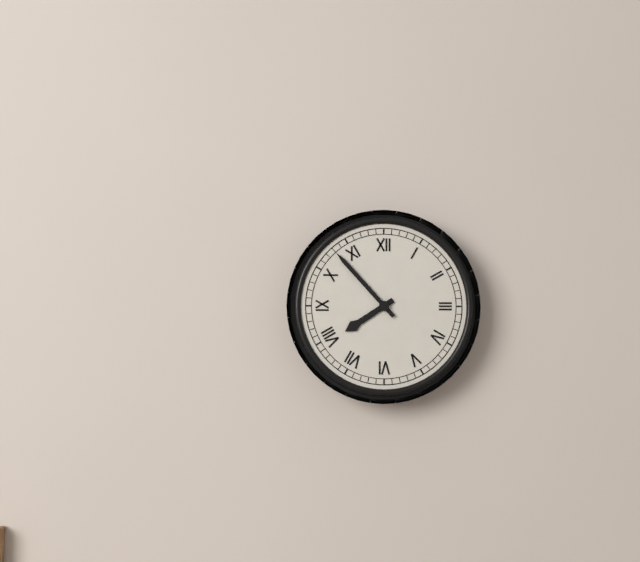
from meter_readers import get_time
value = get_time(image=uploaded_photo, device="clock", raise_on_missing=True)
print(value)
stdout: 7:53
